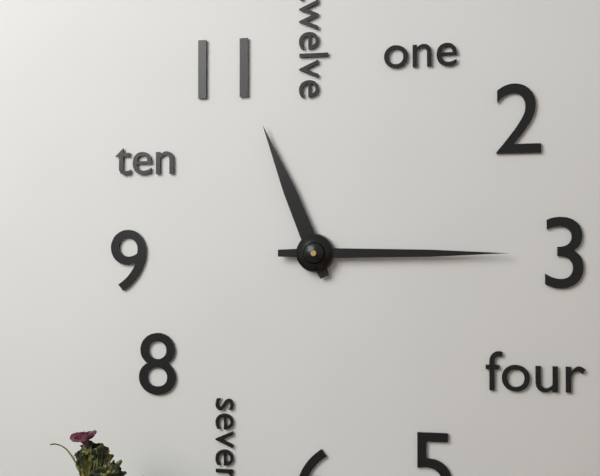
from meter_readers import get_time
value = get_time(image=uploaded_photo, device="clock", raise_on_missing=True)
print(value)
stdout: 11:15
